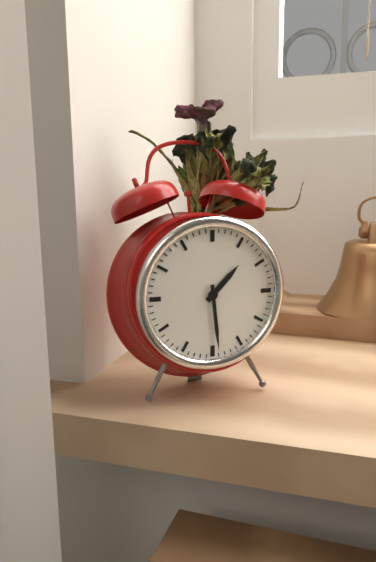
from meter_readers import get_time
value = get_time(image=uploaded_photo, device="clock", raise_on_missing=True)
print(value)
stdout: 1:29
